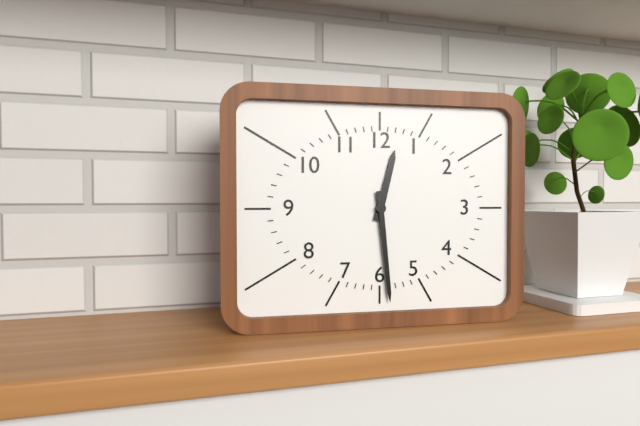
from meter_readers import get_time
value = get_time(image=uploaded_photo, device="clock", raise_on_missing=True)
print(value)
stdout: 12:29
